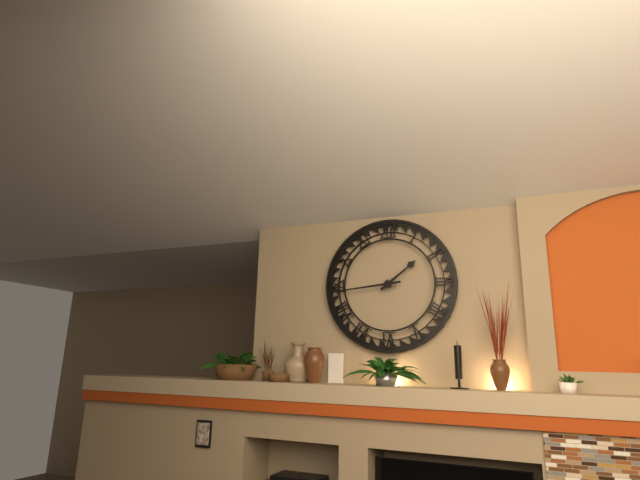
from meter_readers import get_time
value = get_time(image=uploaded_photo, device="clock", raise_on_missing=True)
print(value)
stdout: 1:44
